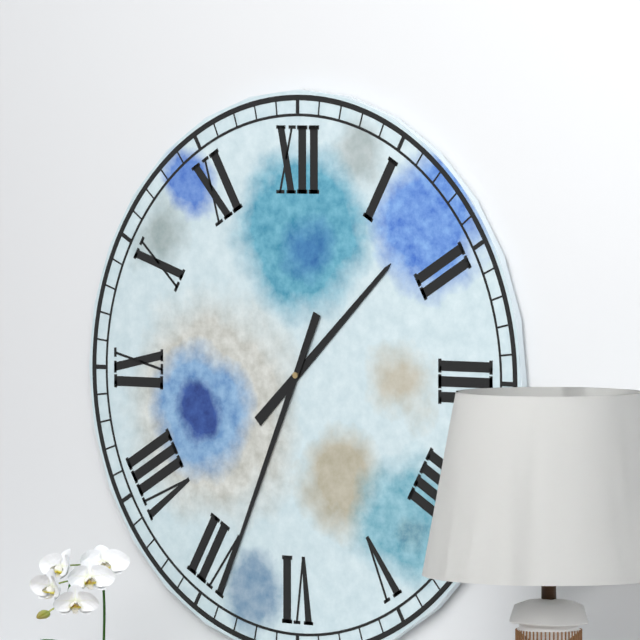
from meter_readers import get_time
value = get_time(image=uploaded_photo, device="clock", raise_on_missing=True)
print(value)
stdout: 1:34
